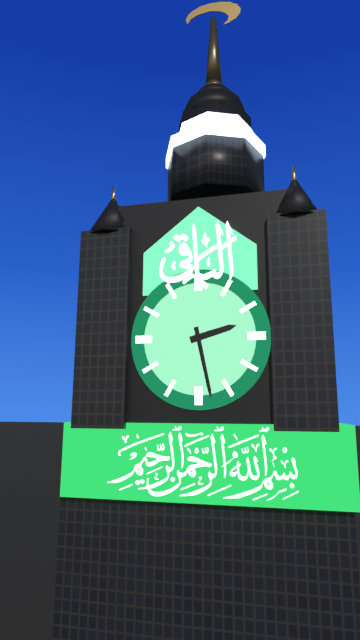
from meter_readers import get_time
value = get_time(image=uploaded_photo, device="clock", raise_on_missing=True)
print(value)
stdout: 2:28
